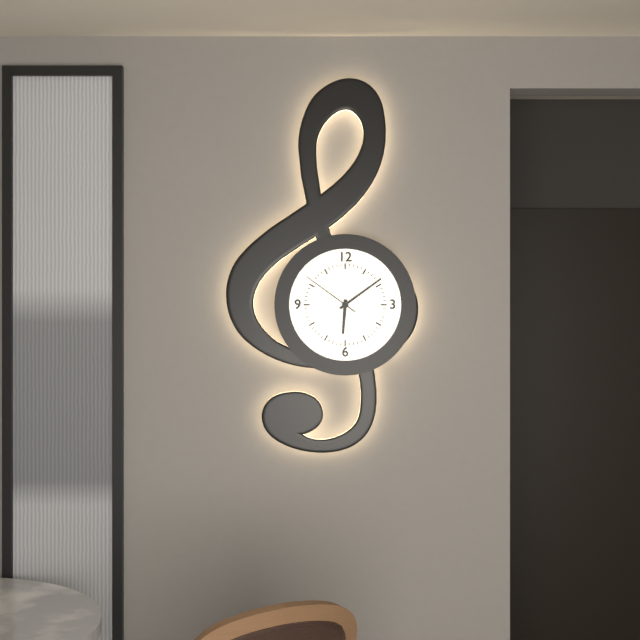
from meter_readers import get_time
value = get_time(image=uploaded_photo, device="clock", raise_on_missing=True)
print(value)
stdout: 6:09:51
